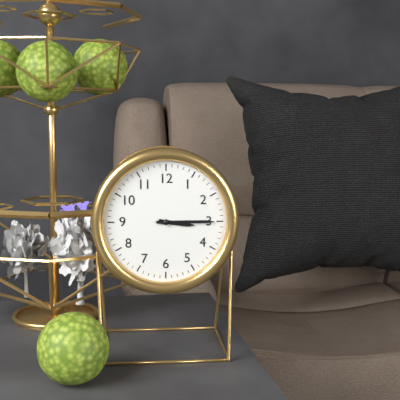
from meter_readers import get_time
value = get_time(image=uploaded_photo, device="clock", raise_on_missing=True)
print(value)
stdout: 3:15
